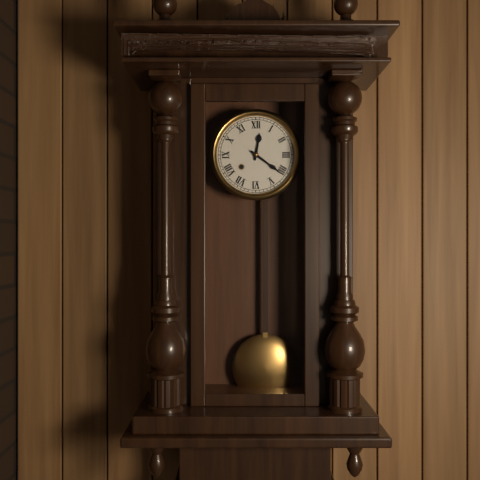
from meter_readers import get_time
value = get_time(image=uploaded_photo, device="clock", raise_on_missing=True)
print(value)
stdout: 12:21
